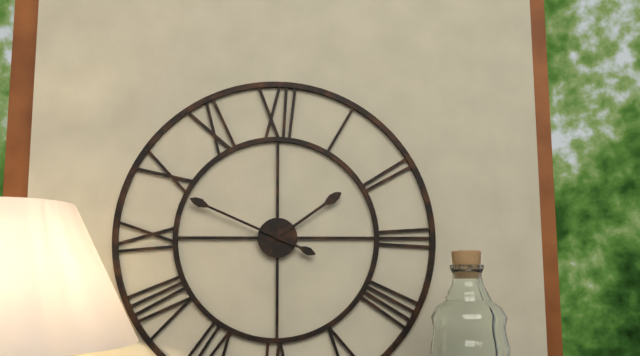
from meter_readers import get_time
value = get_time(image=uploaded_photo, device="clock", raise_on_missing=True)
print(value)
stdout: 1:49
